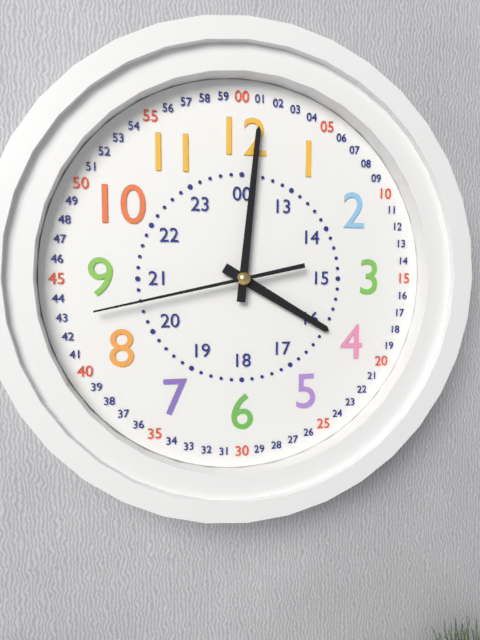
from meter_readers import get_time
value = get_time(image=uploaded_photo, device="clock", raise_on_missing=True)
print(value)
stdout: 4:01:43
